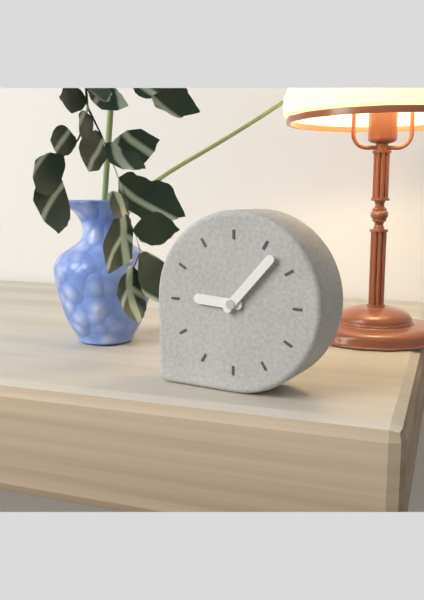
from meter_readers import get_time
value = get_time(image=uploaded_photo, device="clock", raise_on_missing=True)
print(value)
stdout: 9:07
